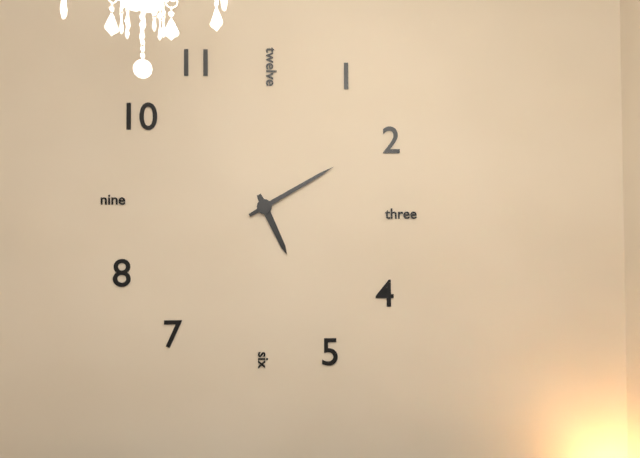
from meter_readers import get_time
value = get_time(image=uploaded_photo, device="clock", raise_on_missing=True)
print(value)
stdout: 5:10
